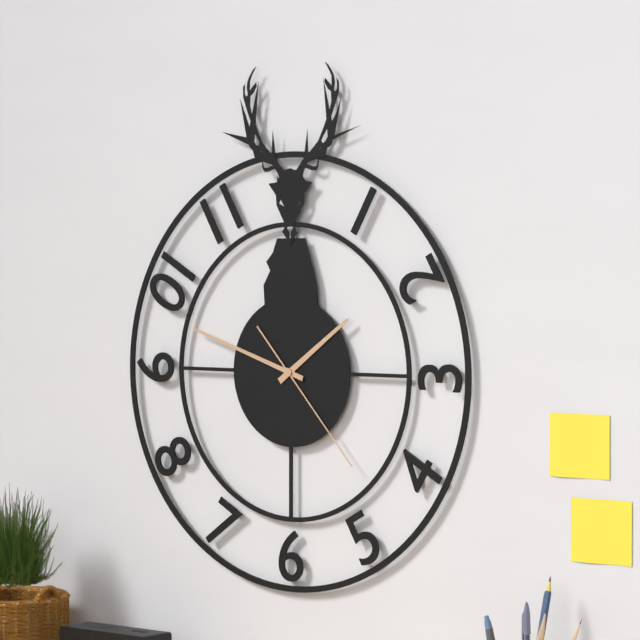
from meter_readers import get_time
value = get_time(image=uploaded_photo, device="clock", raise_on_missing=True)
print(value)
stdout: 1:48:23
